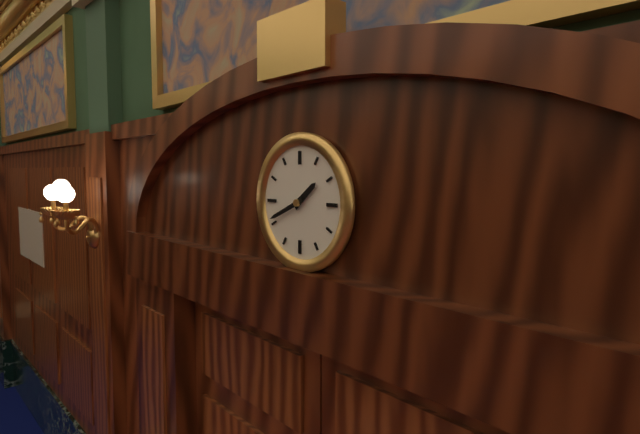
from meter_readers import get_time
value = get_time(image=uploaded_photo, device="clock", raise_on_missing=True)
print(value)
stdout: 1:41
